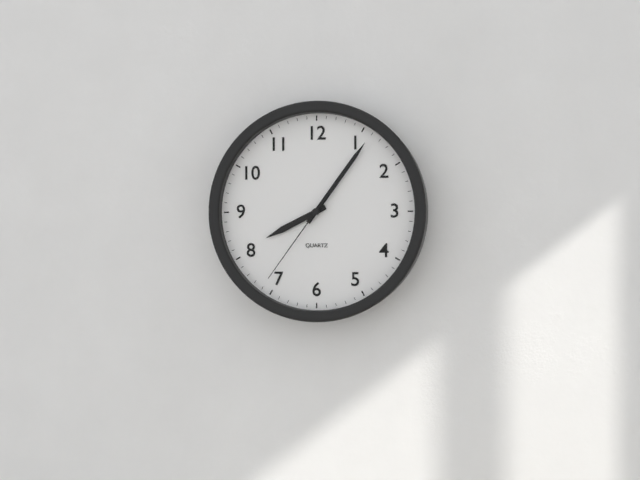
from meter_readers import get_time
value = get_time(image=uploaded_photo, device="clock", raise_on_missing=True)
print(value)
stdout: 8:06:36
